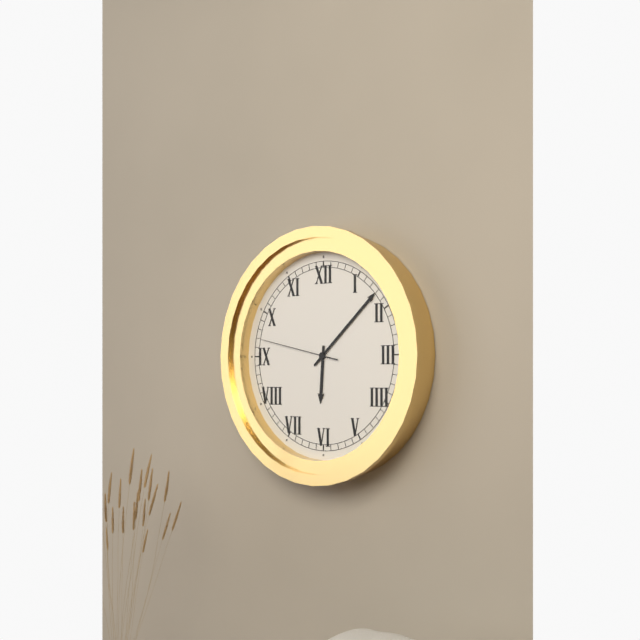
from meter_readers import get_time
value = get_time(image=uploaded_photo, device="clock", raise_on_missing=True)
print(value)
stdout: 6:08:47
